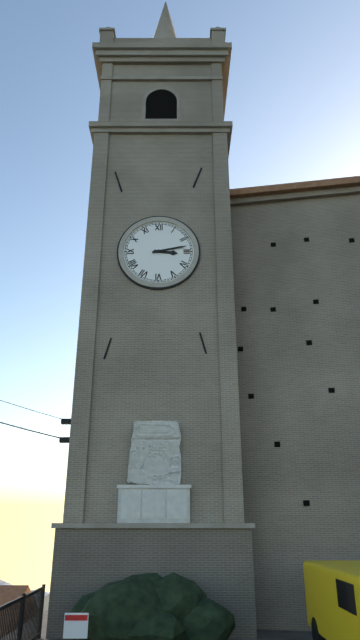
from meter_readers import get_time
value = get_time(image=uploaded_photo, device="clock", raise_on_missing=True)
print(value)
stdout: 3:13
